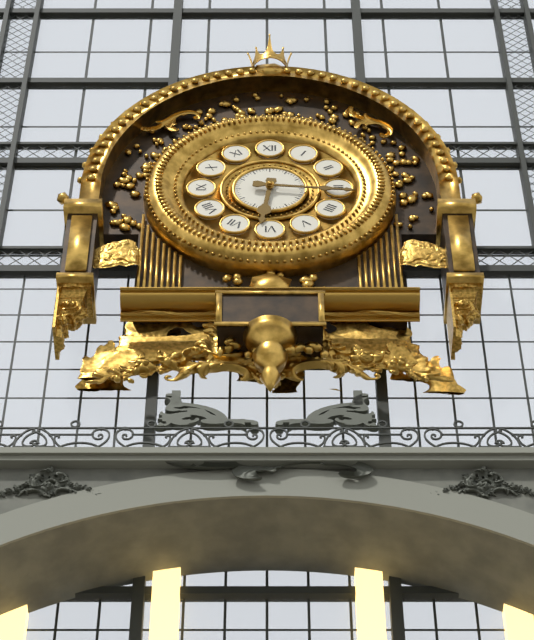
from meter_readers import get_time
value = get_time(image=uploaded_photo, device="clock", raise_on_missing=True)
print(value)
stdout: 6:16
